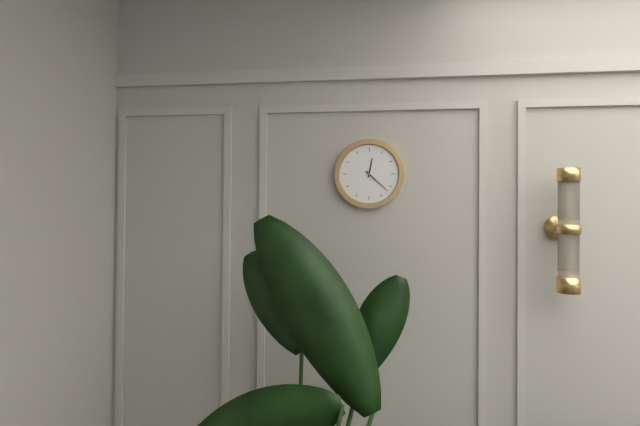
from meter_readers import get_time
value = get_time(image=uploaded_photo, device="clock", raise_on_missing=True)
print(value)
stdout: 12:22
